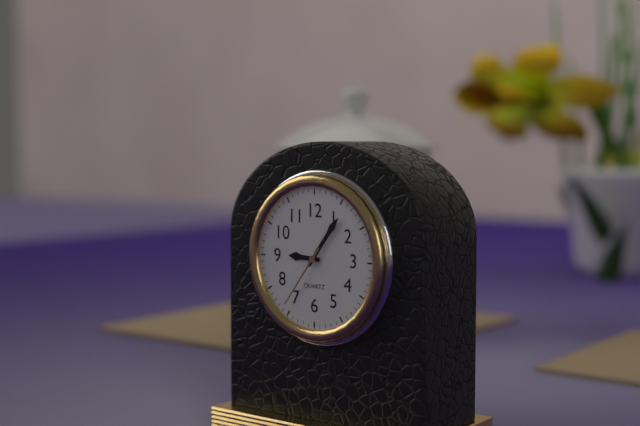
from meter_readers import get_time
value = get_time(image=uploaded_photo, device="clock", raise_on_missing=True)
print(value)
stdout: 9:06:36
